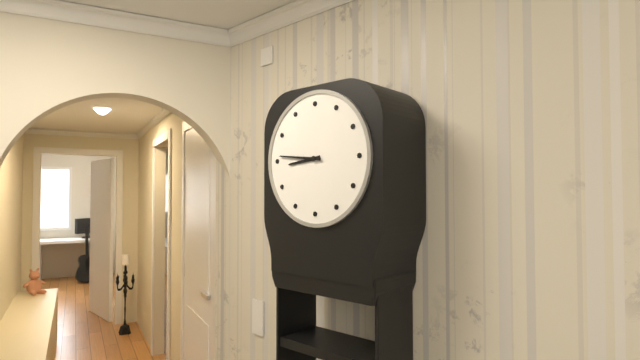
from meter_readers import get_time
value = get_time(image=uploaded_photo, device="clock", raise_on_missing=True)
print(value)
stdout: 8:46
